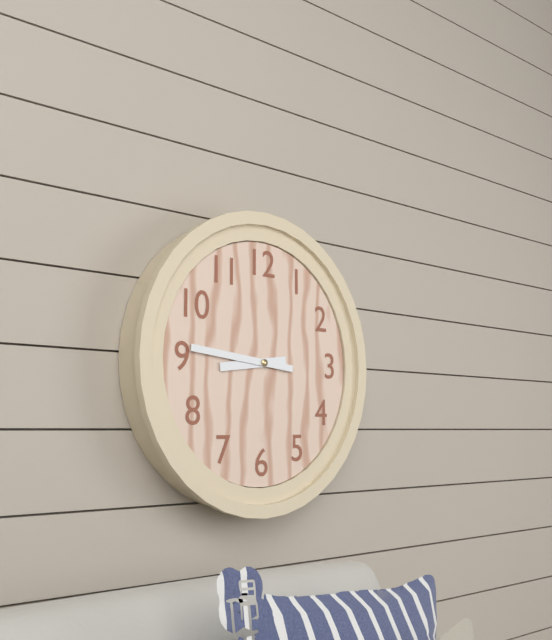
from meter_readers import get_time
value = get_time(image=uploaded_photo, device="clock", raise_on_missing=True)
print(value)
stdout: 8:46
